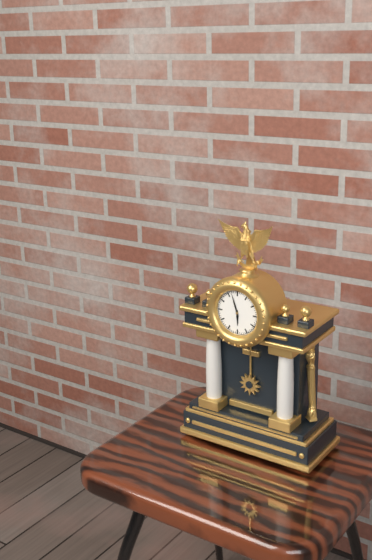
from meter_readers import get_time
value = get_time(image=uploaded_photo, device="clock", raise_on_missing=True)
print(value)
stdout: 5:57
